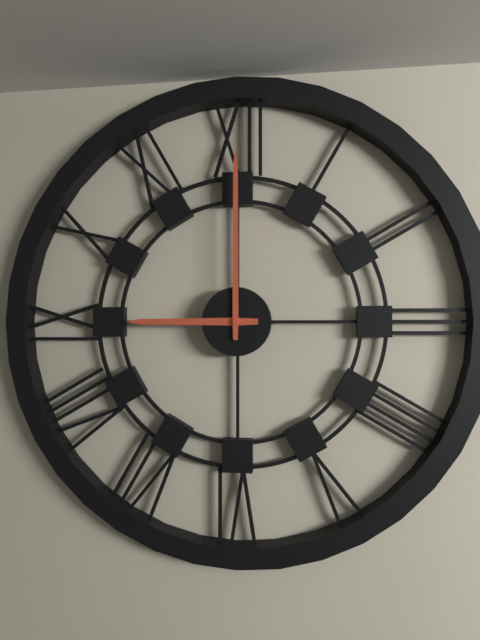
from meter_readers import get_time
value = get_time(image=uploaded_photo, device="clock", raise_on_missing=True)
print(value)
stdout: 9:00
